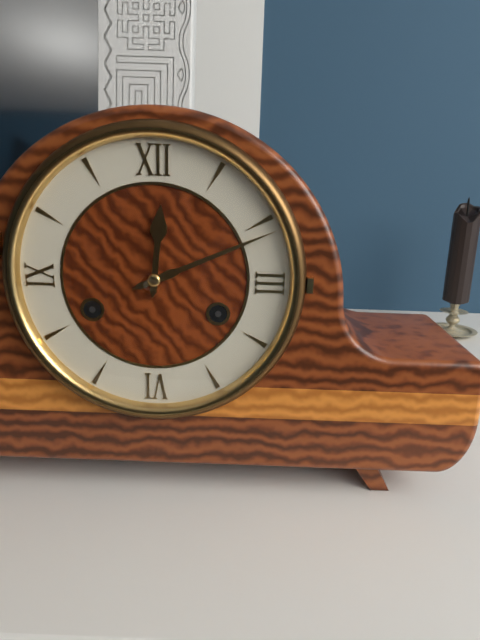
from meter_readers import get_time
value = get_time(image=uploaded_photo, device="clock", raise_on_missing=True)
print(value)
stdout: 12:11
